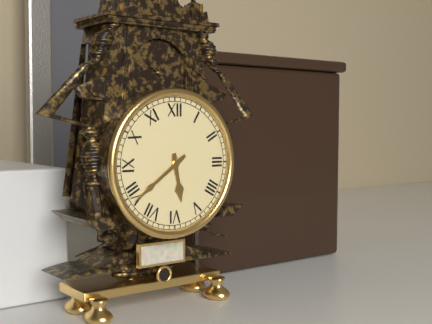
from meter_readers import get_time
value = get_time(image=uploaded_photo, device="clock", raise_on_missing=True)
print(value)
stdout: 5:39
